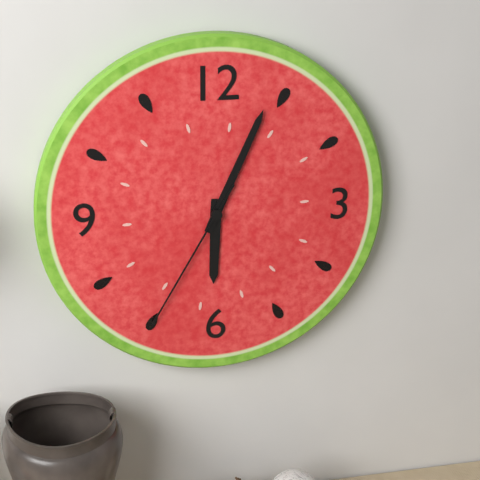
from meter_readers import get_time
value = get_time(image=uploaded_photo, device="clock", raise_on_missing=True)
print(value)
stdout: 6:04:35
